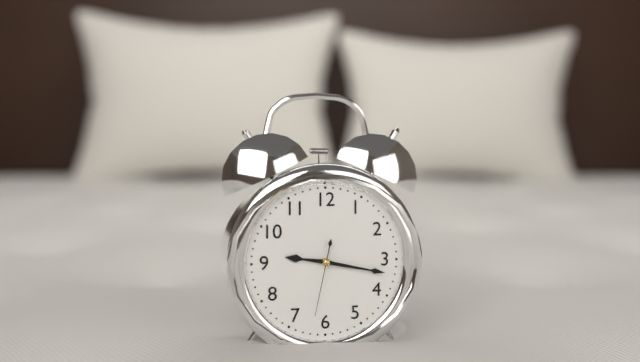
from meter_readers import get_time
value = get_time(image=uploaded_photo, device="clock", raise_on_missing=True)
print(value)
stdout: 9:17:32
